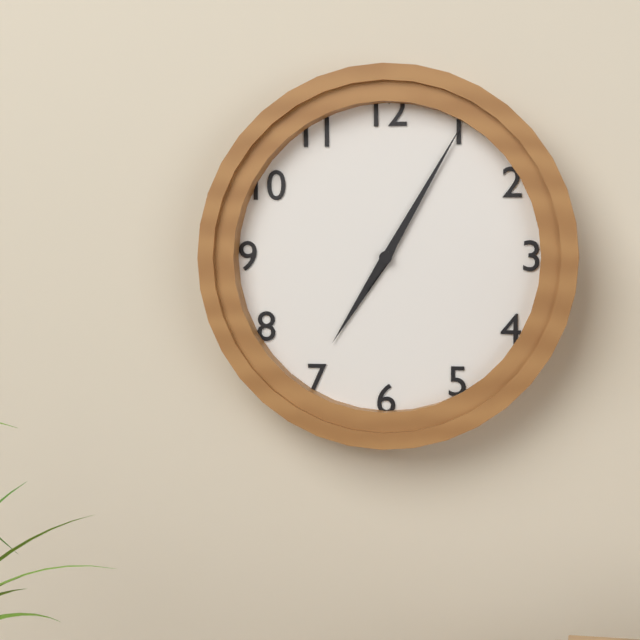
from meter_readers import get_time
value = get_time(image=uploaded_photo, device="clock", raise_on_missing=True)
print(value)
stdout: 7:05
